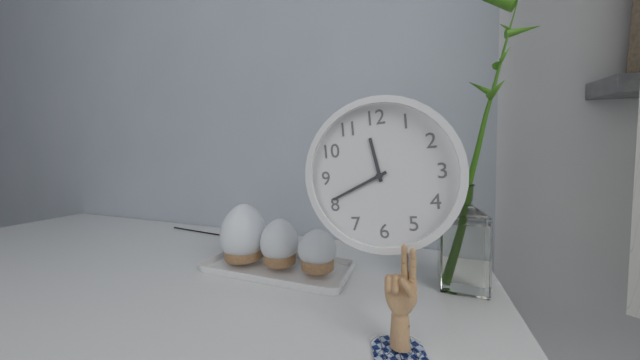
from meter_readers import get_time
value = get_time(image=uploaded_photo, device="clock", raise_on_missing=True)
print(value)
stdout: 11:41
